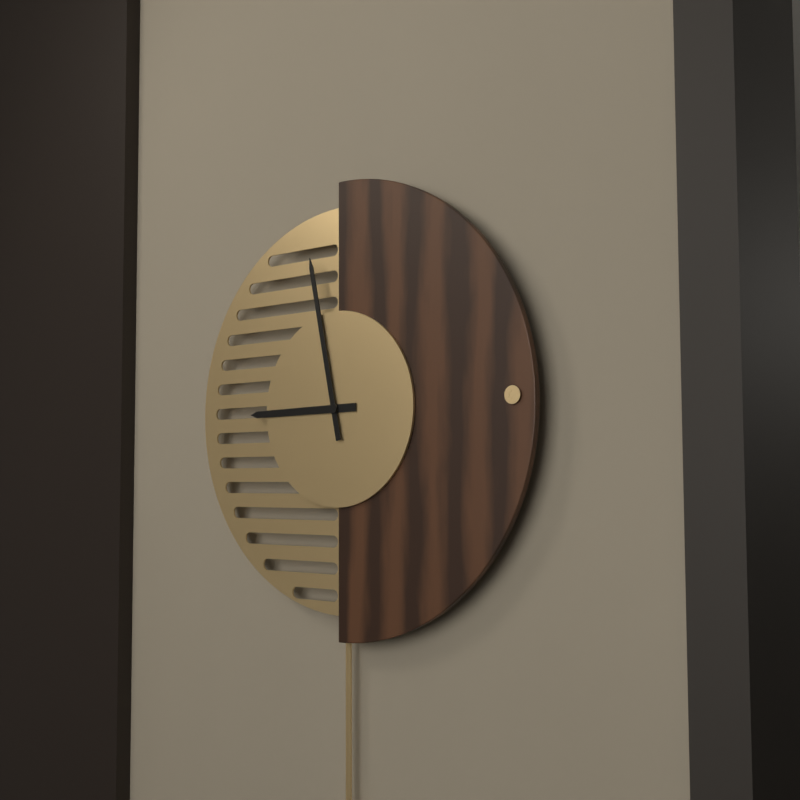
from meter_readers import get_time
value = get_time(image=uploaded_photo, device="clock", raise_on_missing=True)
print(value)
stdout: 8:58
